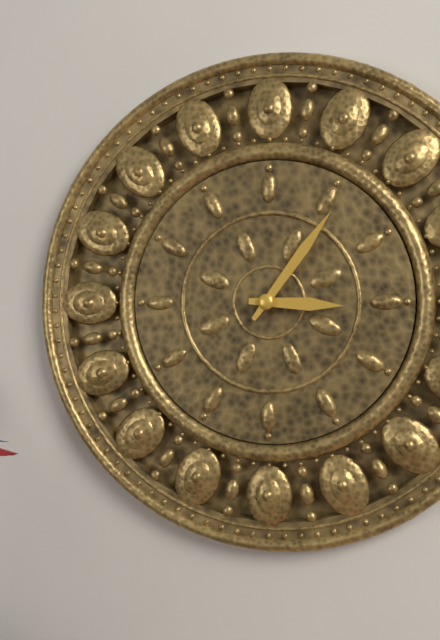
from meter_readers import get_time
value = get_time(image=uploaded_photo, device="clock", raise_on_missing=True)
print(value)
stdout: 3:06
